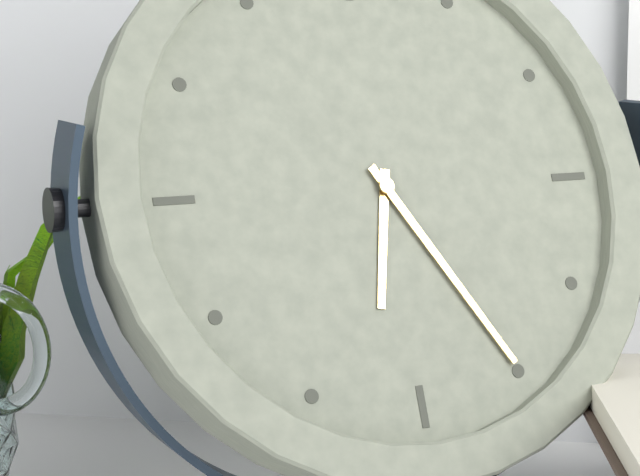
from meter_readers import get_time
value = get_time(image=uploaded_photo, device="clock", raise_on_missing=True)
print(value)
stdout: 6:25
